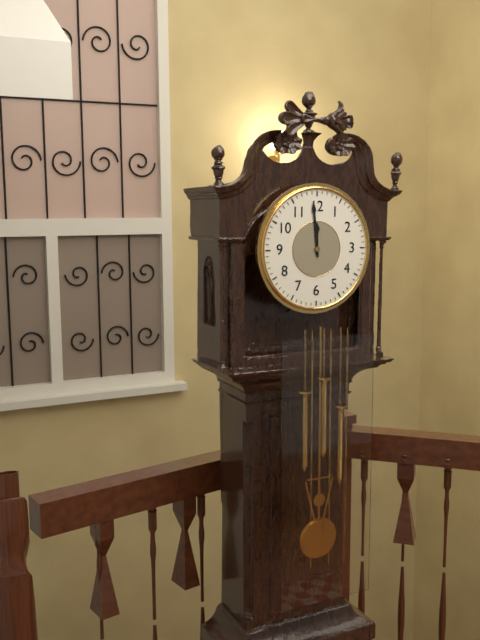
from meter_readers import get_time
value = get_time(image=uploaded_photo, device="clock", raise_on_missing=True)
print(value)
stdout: 11:59
